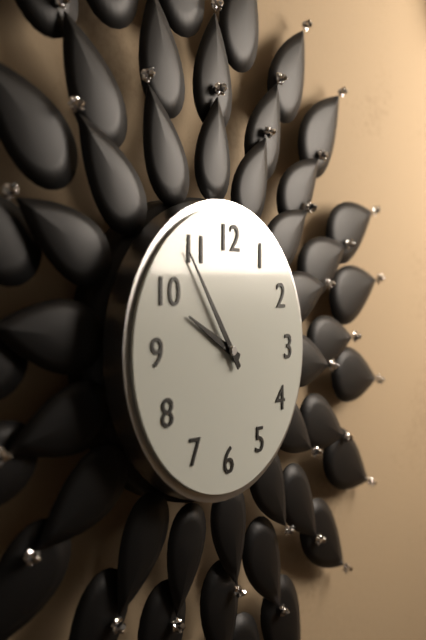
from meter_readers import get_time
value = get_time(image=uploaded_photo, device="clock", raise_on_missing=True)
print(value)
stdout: 9:54
